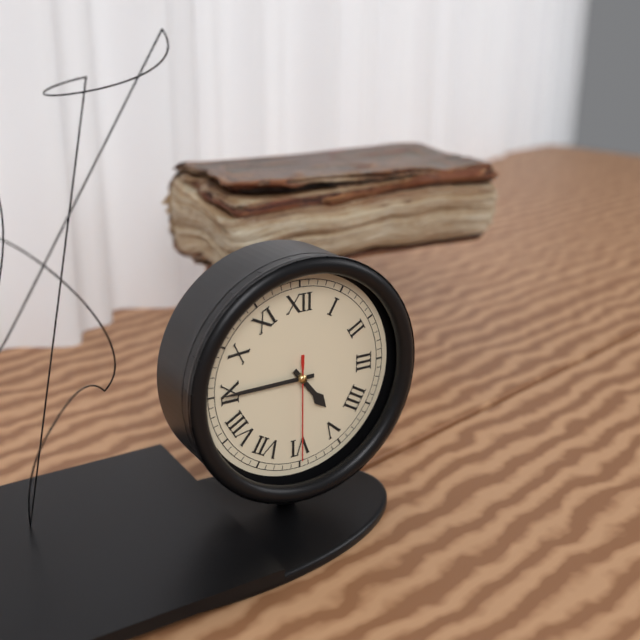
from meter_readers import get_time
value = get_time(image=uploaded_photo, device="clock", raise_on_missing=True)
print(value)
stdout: 4:45:30
